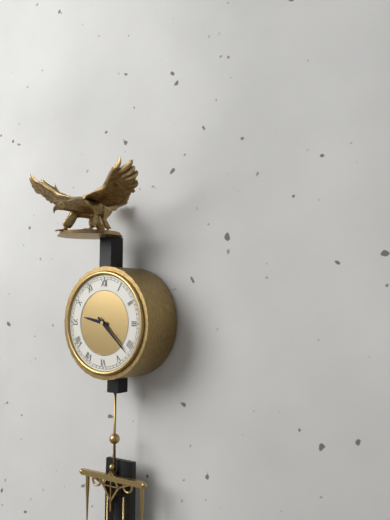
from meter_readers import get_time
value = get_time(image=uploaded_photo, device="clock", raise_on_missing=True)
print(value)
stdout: 9:22
